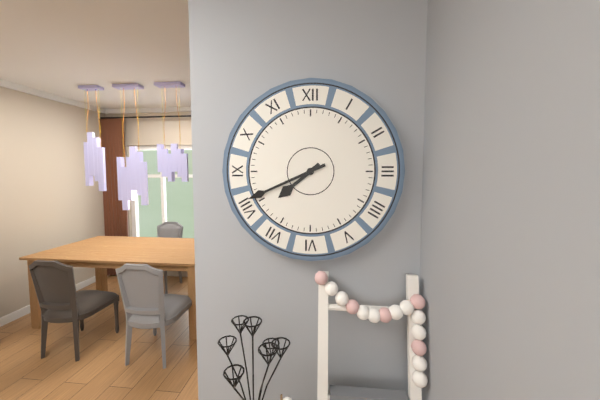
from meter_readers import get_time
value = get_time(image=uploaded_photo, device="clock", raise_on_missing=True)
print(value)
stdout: 7:41
